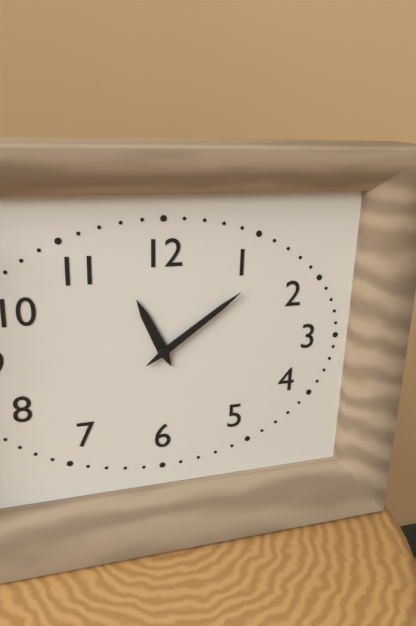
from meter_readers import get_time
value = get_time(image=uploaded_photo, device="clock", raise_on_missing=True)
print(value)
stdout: 11:09
